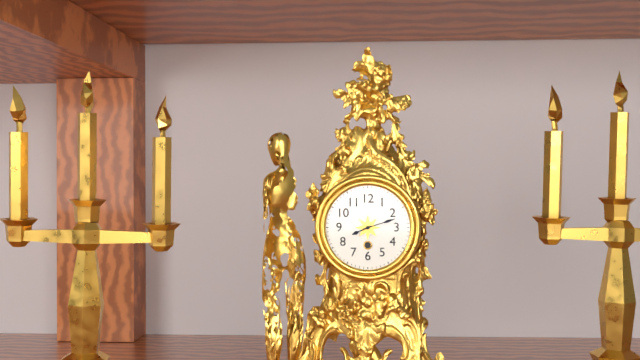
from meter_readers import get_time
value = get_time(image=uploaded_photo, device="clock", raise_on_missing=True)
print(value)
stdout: 8:12
